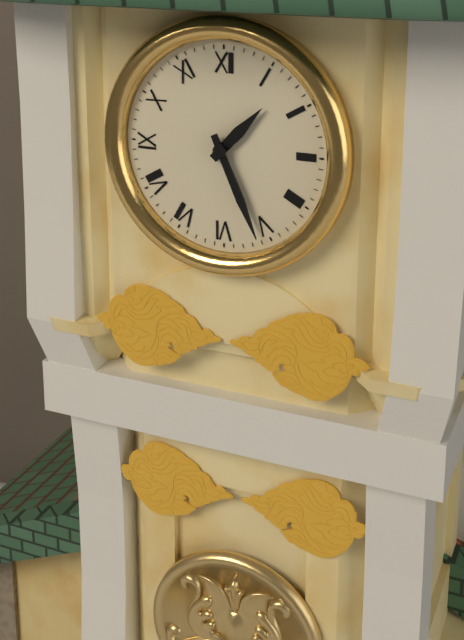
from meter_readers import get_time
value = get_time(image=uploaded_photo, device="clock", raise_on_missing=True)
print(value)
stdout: 1:26
